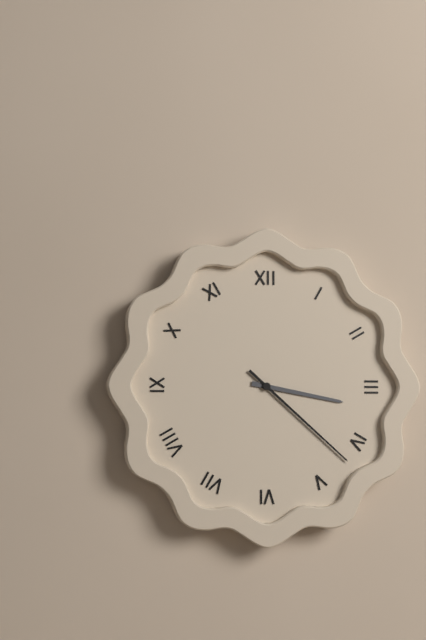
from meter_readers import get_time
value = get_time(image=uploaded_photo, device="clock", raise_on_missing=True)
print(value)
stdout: 3:22
